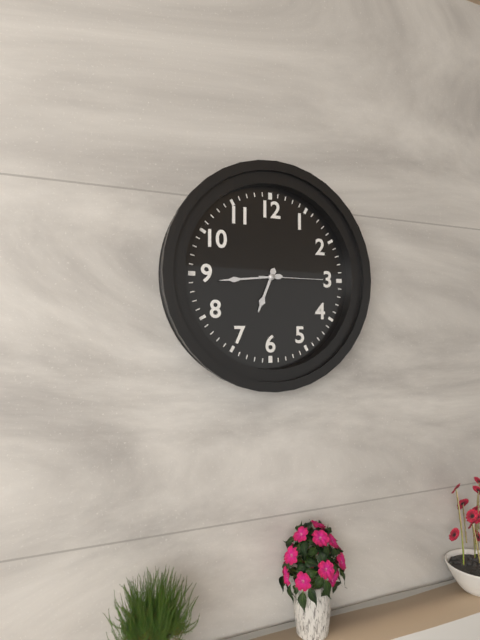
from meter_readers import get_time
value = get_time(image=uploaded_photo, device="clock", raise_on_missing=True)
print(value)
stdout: 6:44:15
